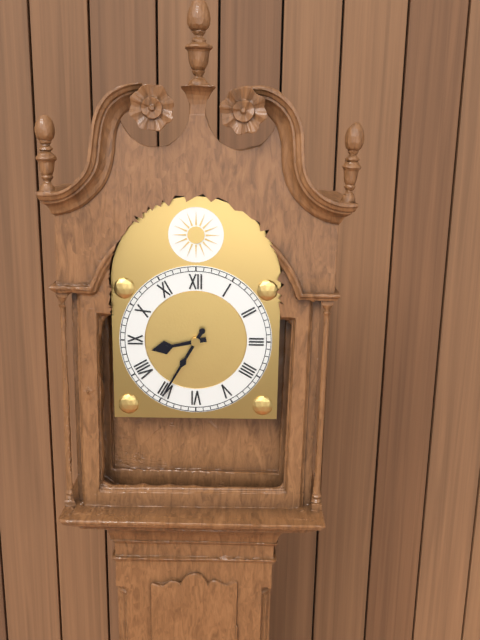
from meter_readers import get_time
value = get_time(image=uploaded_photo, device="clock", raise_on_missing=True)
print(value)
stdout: 8:35
